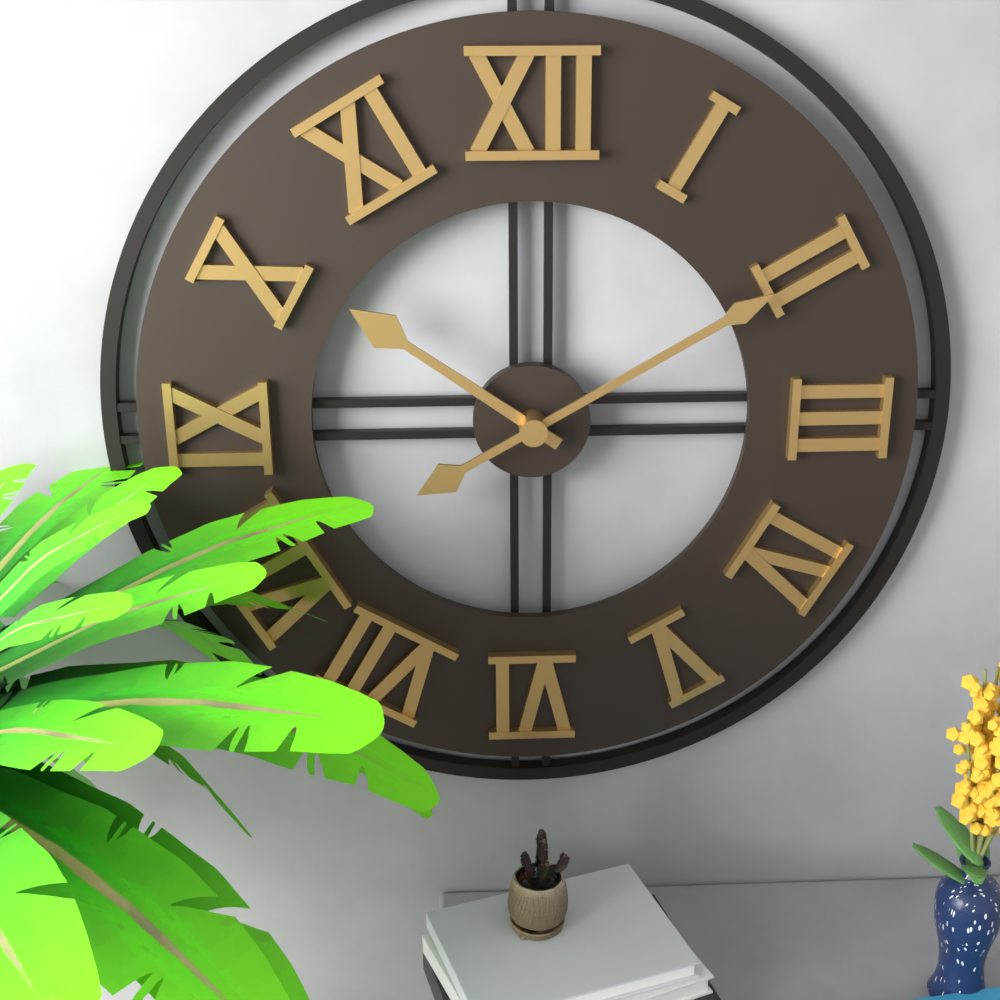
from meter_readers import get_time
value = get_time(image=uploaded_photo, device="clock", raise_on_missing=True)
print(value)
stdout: 10:10
